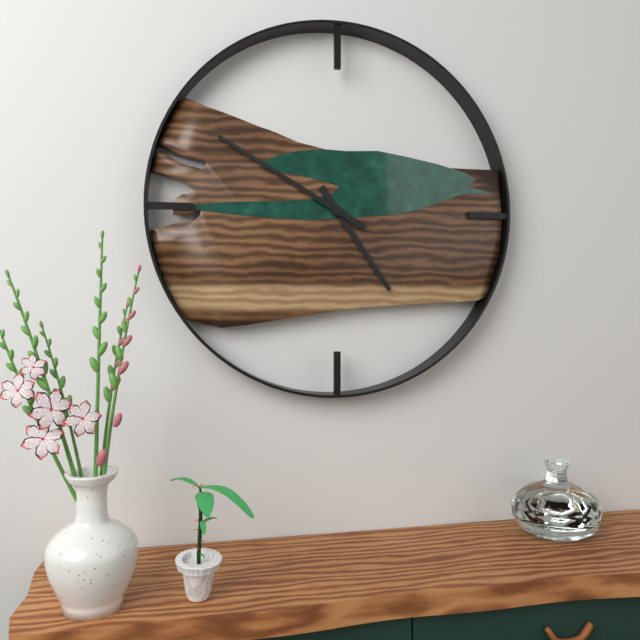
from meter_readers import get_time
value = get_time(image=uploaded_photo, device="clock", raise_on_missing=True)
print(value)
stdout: 4:50
